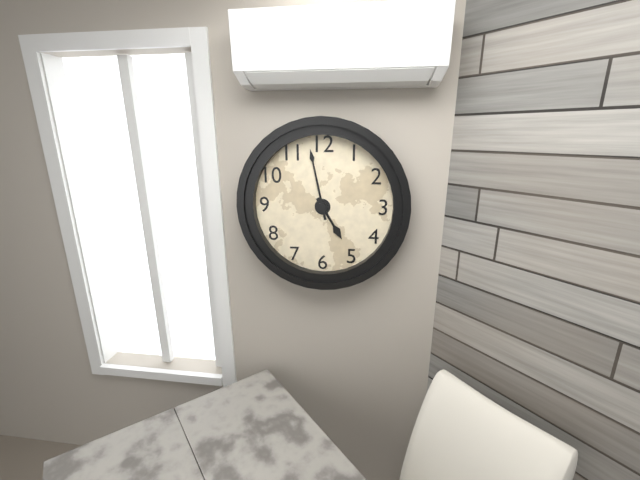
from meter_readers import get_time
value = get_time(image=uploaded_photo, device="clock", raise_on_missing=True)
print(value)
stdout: 4:58
